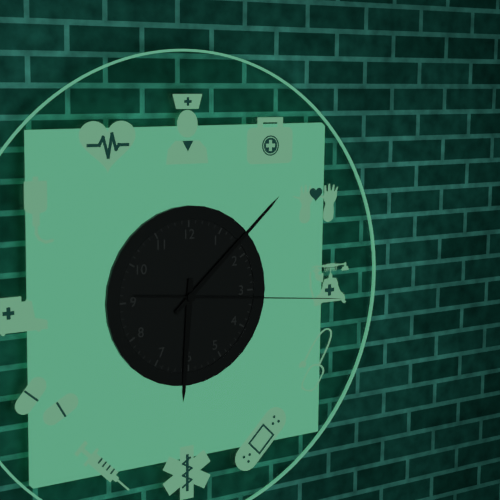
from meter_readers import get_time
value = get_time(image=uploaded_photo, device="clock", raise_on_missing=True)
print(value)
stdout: 6:08:16
